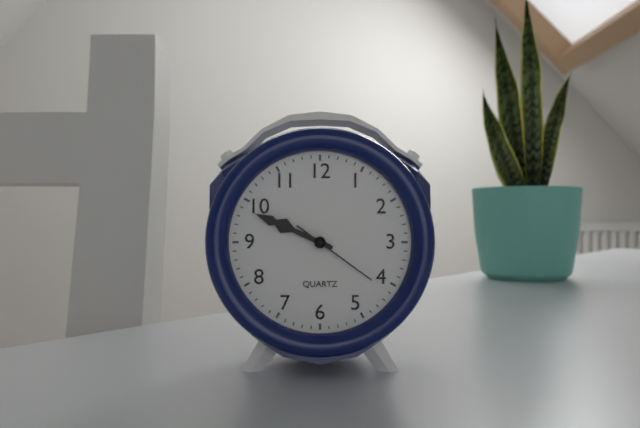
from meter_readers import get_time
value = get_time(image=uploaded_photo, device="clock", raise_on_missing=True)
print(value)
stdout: 9:49:21
